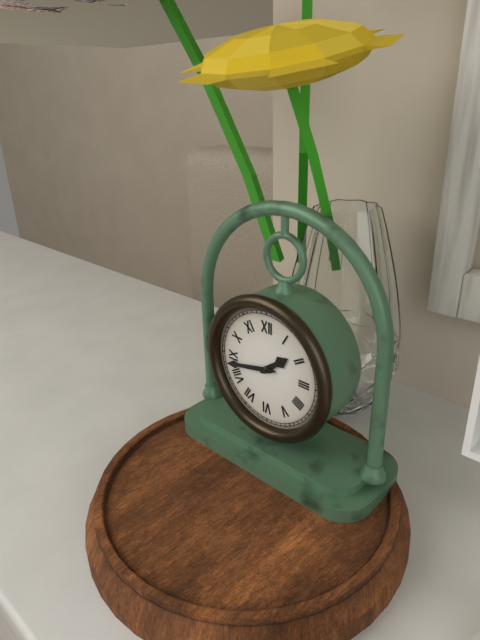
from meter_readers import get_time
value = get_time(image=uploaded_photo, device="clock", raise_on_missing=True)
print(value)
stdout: 1:43
